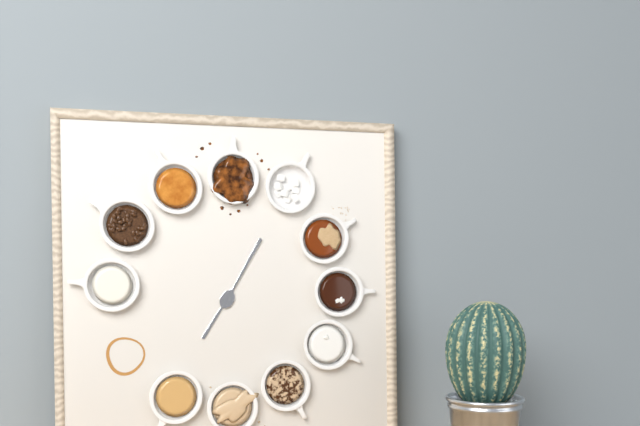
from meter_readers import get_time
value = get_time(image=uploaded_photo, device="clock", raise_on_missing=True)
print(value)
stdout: 7:05
